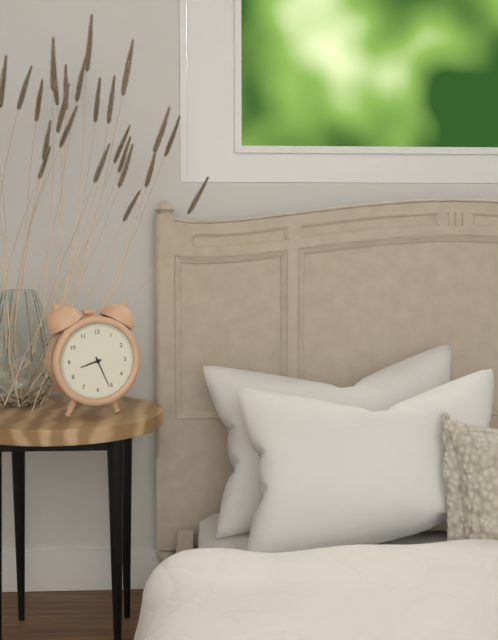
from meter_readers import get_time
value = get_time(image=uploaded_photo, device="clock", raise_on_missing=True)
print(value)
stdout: 8:26
